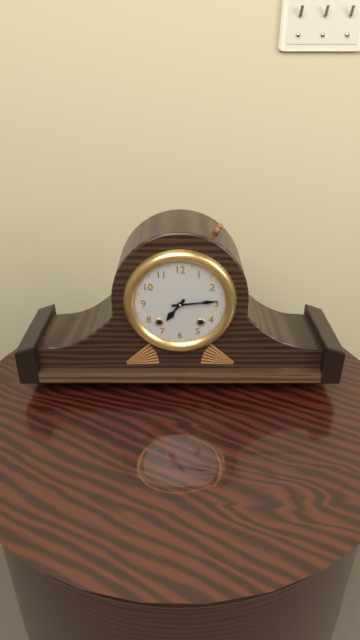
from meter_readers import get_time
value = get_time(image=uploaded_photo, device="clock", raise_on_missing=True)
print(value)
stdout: 7:14
